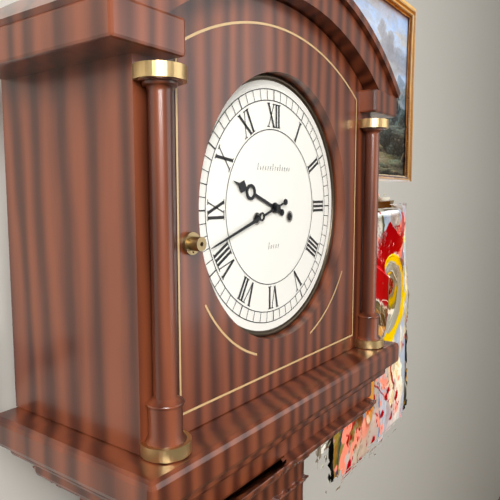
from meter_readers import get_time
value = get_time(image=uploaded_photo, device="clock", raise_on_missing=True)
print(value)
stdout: 9:42
